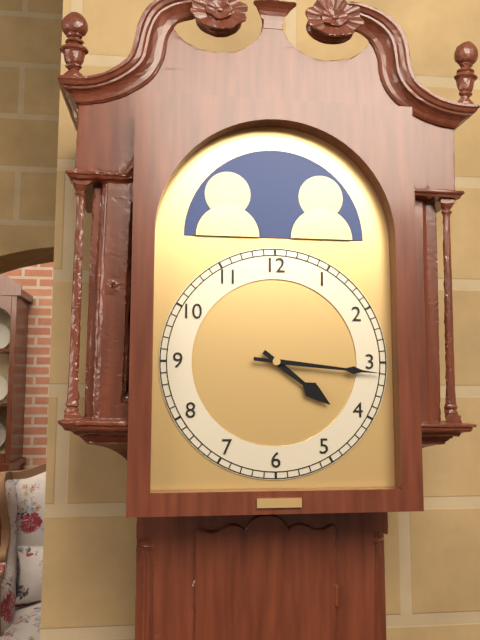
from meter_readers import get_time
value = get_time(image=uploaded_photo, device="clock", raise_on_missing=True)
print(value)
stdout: 4:16
